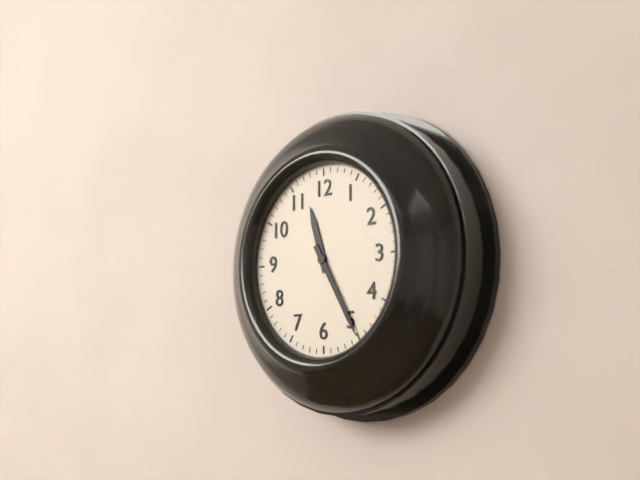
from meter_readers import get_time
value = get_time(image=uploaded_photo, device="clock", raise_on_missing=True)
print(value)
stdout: 11:25
